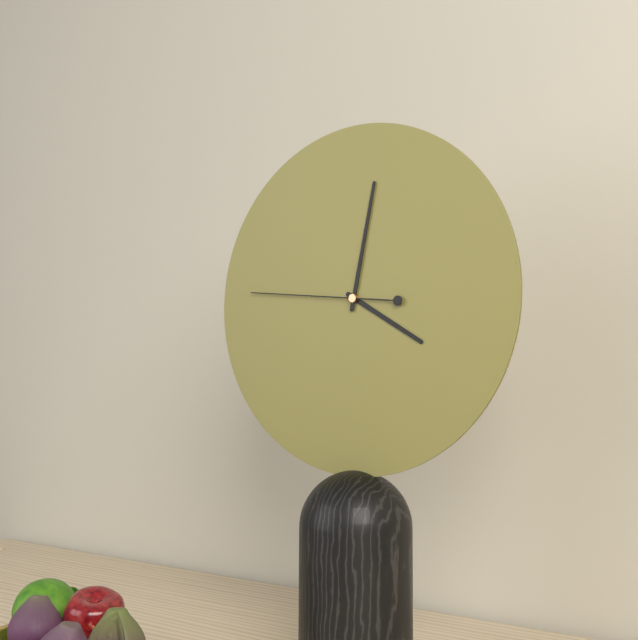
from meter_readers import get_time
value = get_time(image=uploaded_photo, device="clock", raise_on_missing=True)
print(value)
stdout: 4:02:46
